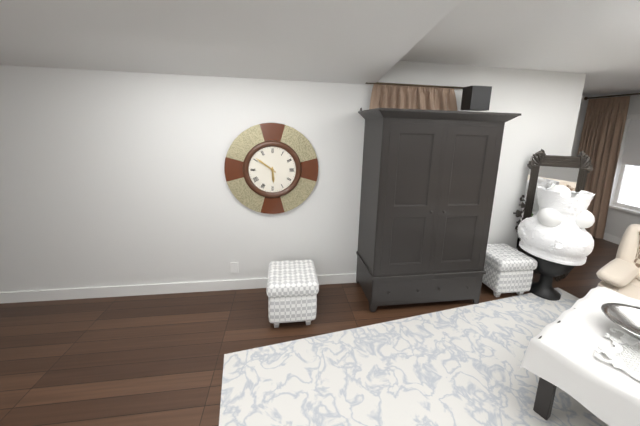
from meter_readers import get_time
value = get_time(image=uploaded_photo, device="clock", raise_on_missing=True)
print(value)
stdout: 5:51
